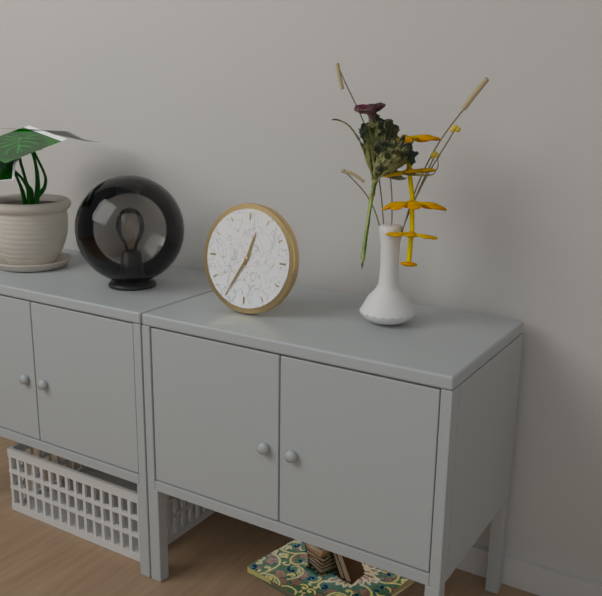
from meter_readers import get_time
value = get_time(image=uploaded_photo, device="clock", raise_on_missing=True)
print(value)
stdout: 12:35
